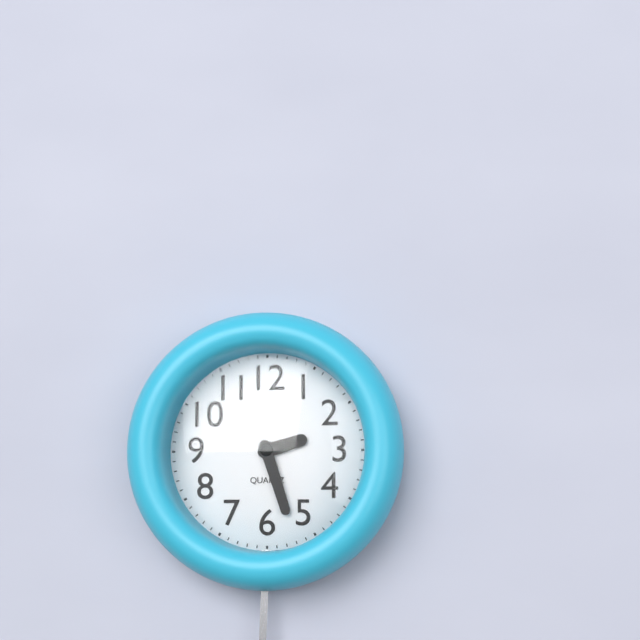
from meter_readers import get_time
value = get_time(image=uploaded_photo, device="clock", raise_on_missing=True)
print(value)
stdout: 2:27
